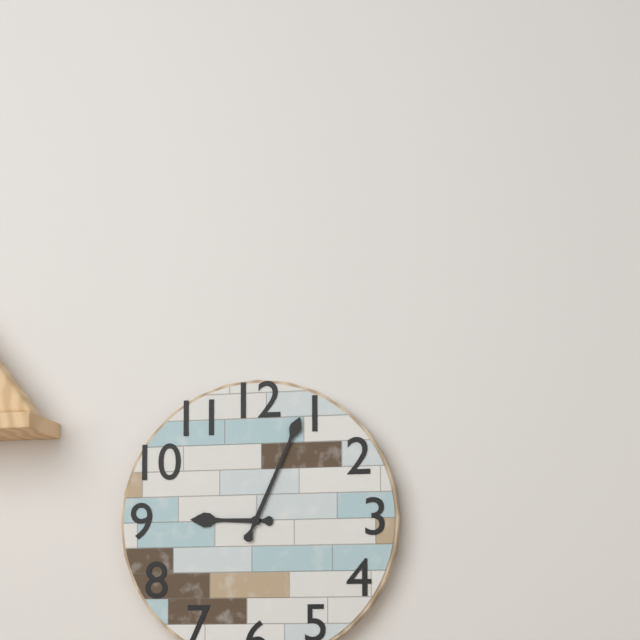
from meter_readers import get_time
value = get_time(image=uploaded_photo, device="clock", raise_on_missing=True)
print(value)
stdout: 9:04
